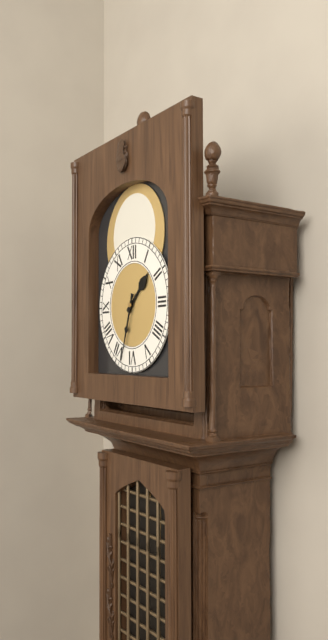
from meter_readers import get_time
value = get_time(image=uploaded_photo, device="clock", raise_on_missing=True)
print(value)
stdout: 1:33
